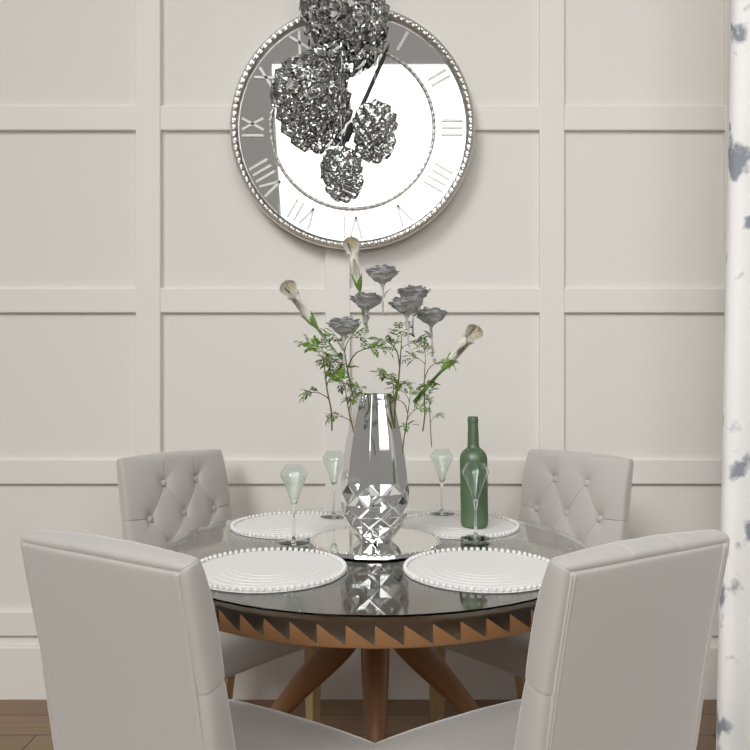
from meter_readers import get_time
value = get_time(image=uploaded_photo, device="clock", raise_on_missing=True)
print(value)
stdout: 7:04
